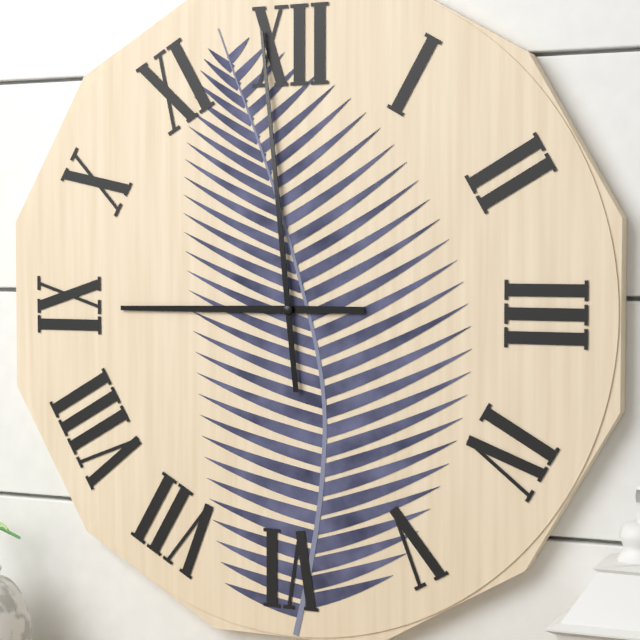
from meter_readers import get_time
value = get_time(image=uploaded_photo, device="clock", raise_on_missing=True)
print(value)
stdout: 8:59
